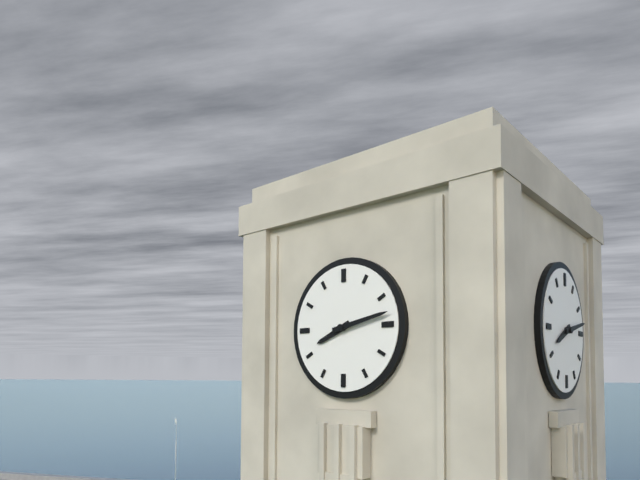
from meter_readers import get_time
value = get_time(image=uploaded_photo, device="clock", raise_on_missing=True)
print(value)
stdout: 8:13
